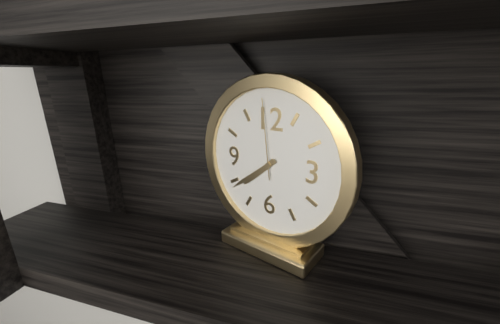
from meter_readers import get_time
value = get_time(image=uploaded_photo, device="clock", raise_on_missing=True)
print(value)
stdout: 7:39:59
